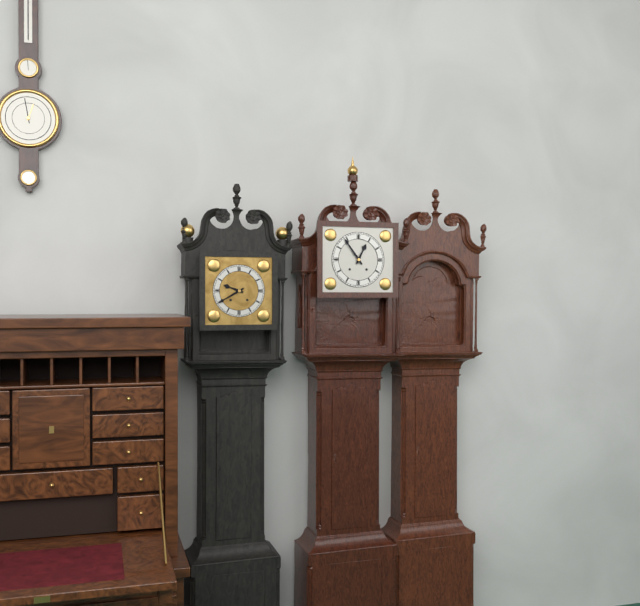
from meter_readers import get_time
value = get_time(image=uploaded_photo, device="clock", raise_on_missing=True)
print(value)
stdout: 12:54
